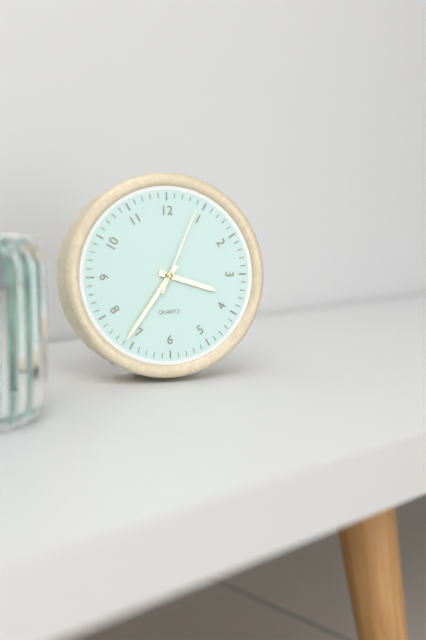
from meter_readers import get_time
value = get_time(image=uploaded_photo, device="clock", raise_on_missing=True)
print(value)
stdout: 3:36:04
